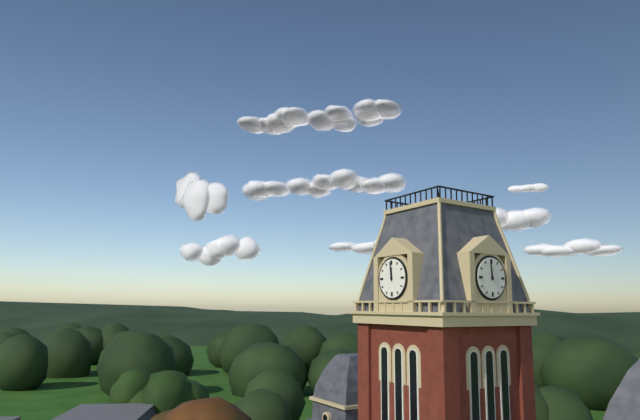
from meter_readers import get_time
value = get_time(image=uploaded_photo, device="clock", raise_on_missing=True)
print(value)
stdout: 11:59
